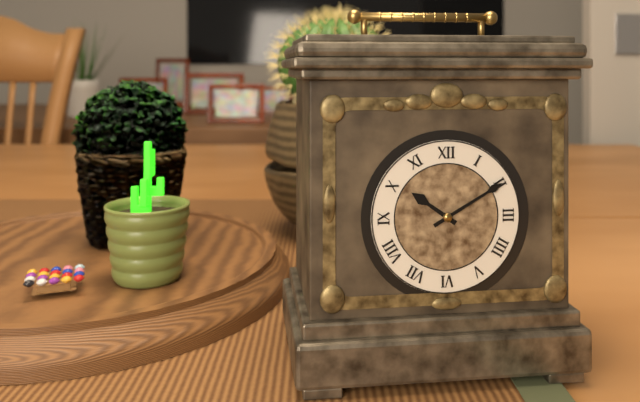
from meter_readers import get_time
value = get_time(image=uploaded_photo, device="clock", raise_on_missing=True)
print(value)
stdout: 10:10
